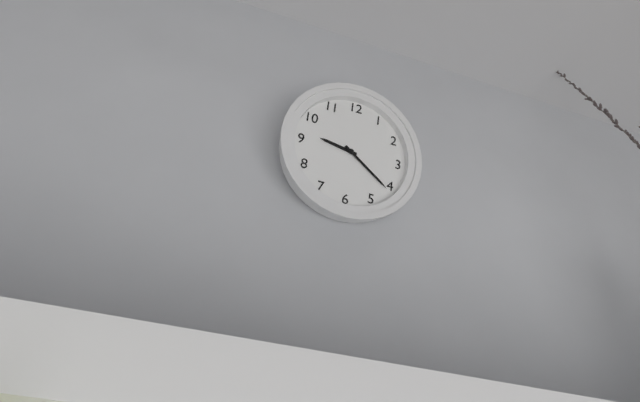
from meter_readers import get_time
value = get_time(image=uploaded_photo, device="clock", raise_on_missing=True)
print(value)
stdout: 9:21
